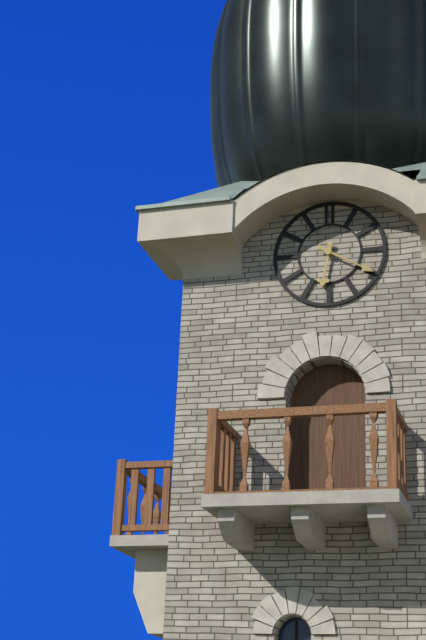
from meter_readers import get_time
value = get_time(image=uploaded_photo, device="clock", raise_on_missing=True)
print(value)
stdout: 6:20
